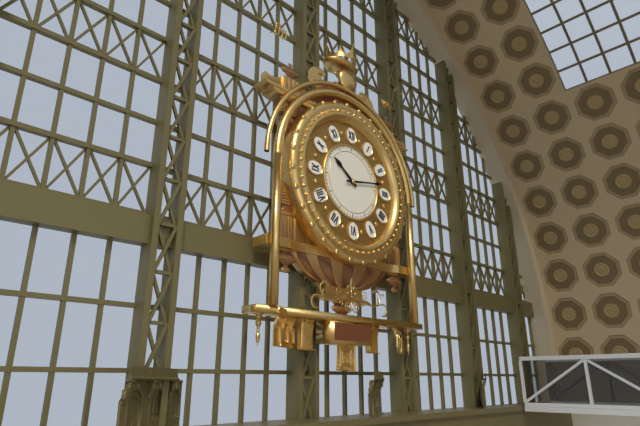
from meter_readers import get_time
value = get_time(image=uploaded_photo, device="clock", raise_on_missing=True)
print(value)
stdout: 10:13
